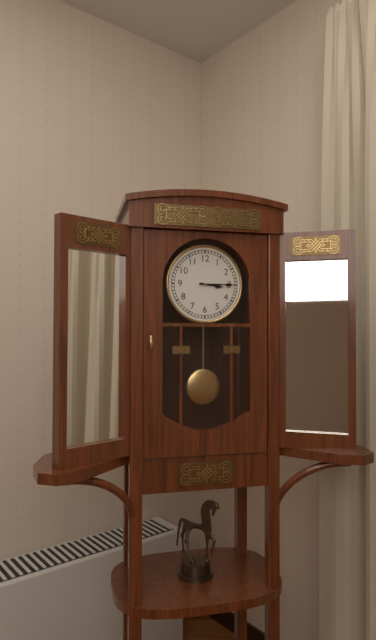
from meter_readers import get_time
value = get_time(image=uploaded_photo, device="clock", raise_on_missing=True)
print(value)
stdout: 3:15
